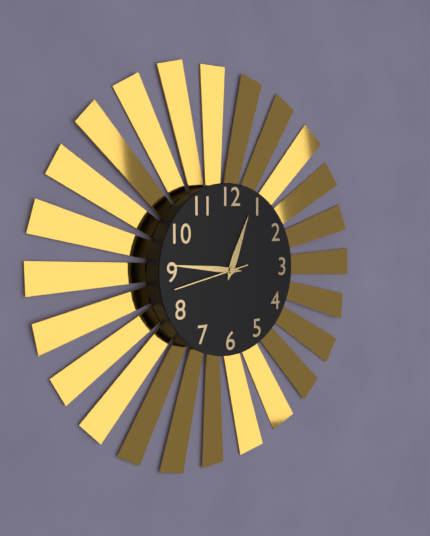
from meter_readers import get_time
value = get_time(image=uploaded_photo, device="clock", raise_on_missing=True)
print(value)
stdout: 12:46:43
